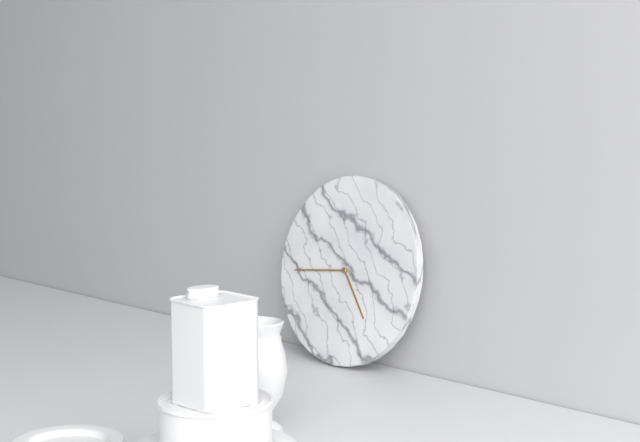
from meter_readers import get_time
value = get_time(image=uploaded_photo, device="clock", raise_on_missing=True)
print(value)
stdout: 4:44
